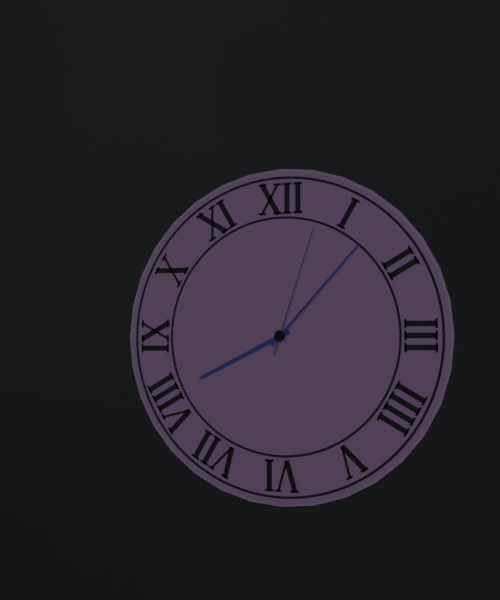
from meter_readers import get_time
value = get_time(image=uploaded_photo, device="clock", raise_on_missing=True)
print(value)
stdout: 8:07:03
